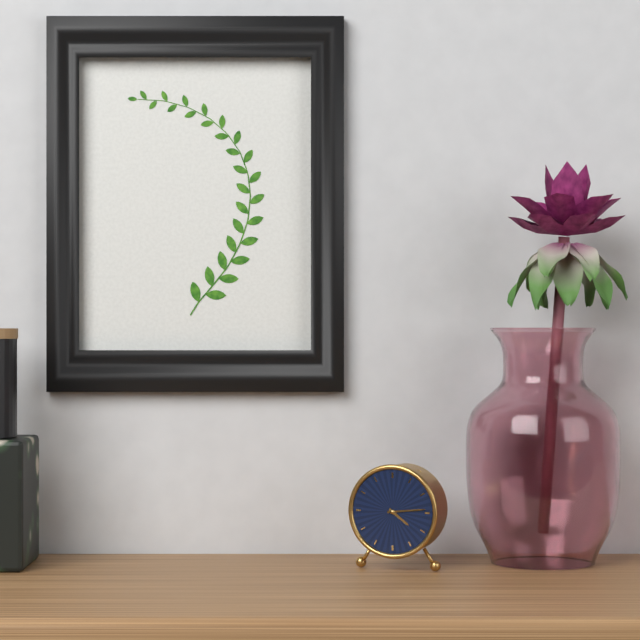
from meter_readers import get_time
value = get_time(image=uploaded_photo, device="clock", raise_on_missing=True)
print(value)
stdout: 4:14
